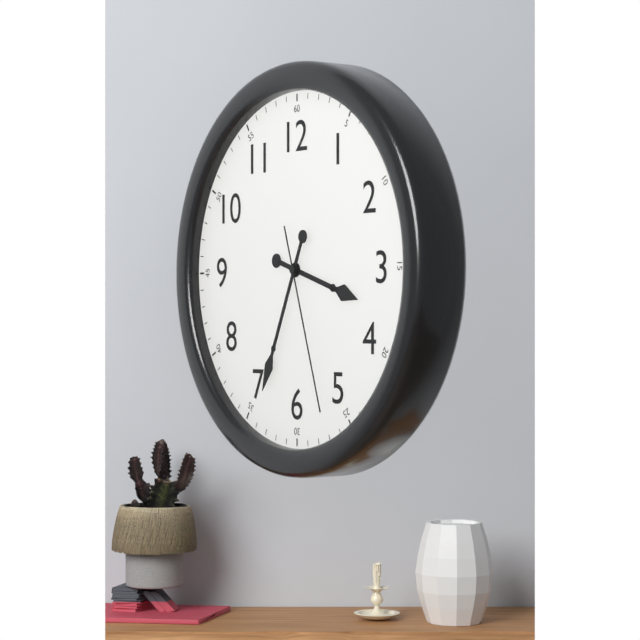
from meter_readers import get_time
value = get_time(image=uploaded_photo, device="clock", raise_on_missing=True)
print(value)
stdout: 3:34:27
